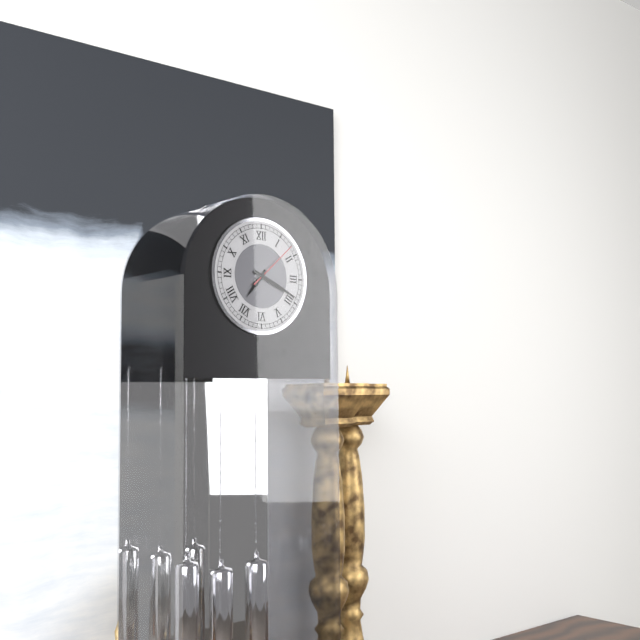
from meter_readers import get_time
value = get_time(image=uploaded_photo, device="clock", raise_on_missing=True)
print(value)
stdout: 7:19:08
